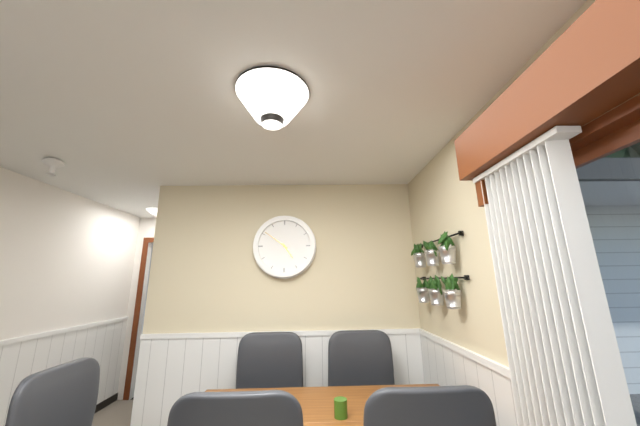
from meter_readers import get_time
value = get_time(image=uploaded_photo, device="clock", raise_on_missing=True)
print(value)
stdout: 4:51
